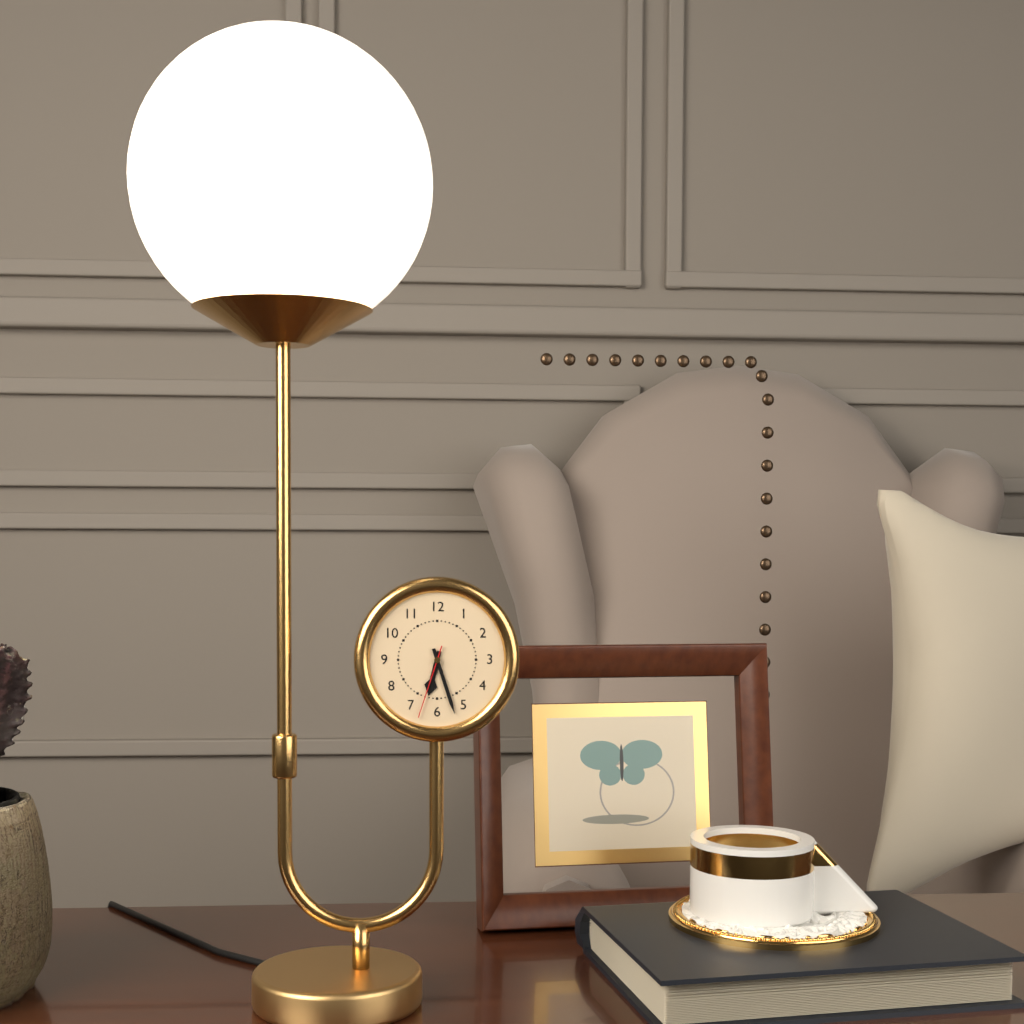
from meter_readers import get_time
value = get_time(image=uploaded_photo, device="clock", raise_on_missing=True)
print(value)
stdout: 6:27:33
